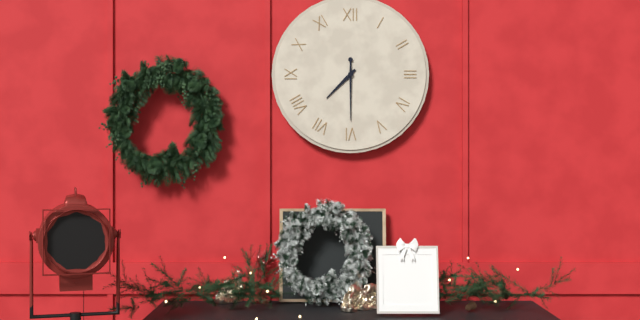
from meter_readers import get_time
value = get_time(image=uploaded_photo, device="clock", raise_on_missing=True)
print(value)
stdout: 7:30
